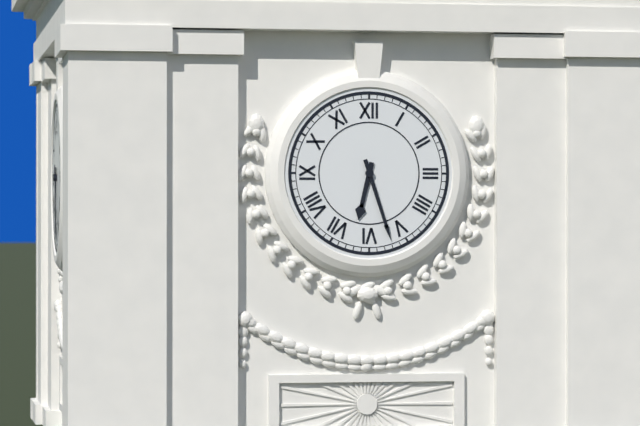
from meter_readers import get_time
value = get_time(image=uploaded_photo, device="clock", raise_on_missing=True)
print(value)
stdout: 6:27
